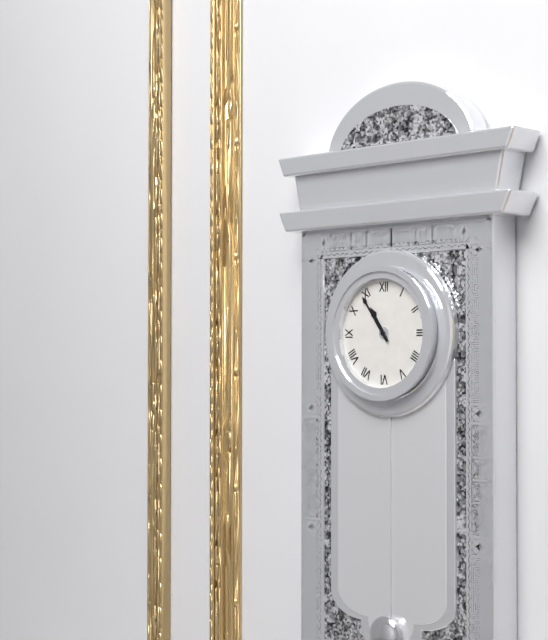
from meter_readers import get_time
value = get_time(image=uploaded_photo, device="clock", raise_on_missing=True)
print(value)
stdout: 10:54
